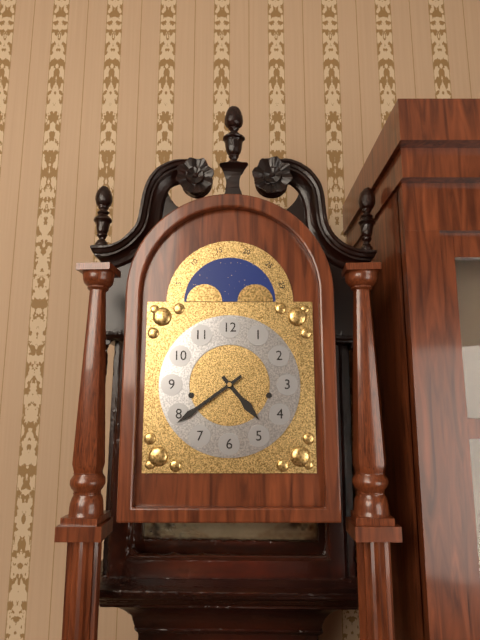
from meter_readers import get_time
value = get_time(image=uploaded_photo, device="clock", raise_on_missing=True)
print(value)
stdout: 4:39
